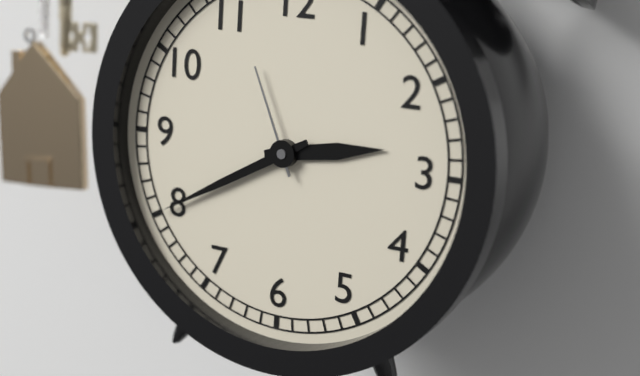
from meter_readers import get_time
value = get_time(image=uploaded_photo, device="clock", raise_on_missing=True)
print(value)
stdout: 2:40:56
